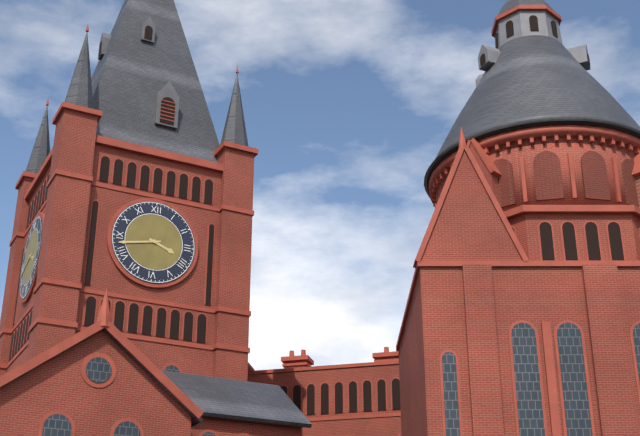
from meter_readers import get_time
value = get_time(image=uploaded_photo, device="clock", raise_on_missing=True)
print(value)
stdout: 3:43
